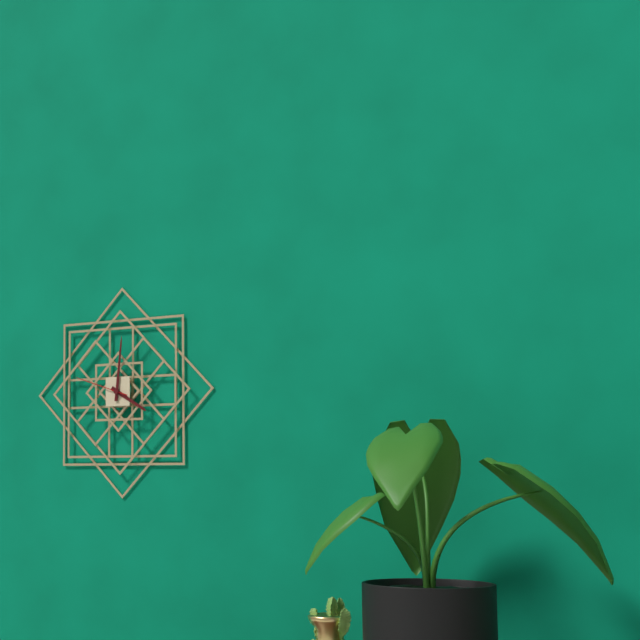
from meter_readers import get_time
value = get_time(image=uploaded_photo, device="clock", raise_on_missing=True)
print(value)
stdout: 4:01:48
